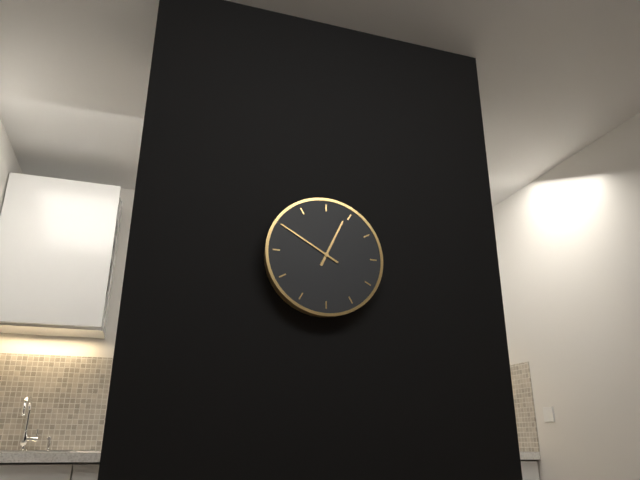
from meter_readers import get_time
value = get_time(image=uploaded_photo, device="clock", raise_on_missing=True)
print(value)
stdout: 12:50
